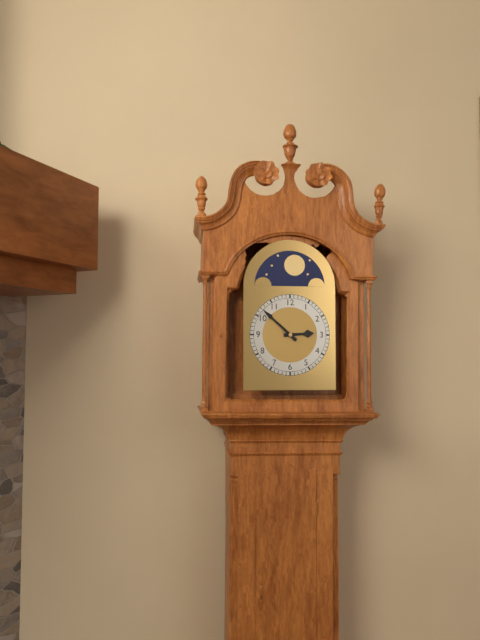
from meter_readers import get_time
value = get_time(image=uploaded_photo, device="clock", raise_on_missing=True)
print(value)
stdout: 2:52
